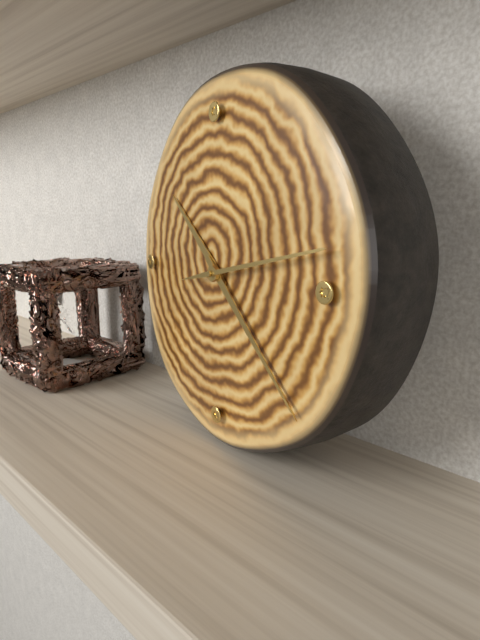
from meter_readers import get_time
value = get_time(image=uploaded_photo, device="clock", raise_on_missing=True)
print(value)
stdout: 10:22:13
